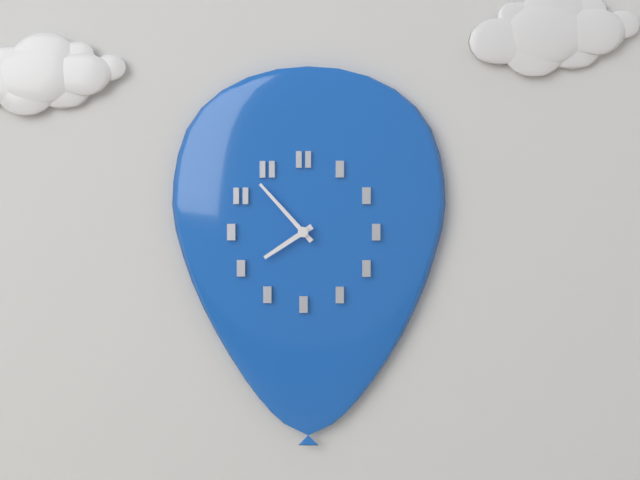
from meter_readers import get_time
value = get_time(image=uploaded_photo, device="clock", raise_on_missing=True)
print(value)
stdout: 7:53
